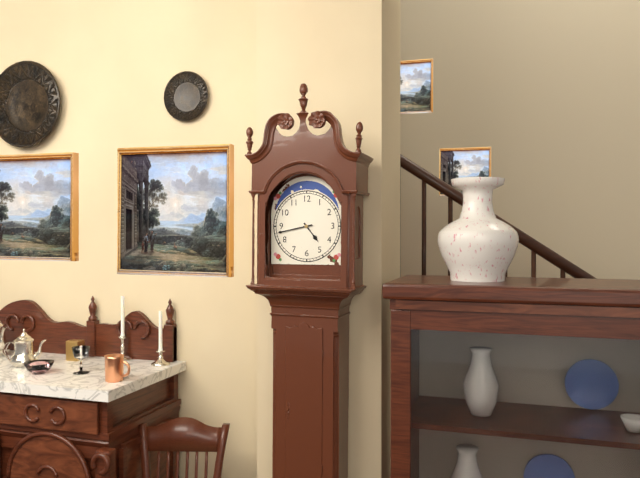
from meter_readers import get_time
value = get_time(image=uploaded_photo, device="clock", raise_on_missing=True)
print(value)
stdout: 4:43
